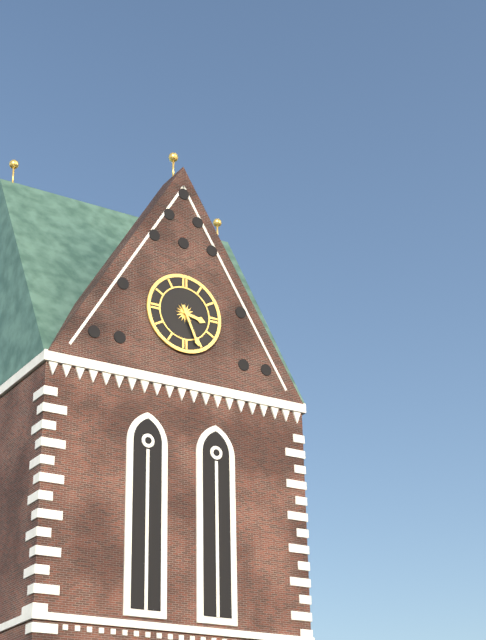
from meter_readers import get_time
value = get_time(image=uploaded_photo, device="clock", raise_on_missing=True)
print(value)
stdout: 3:26
